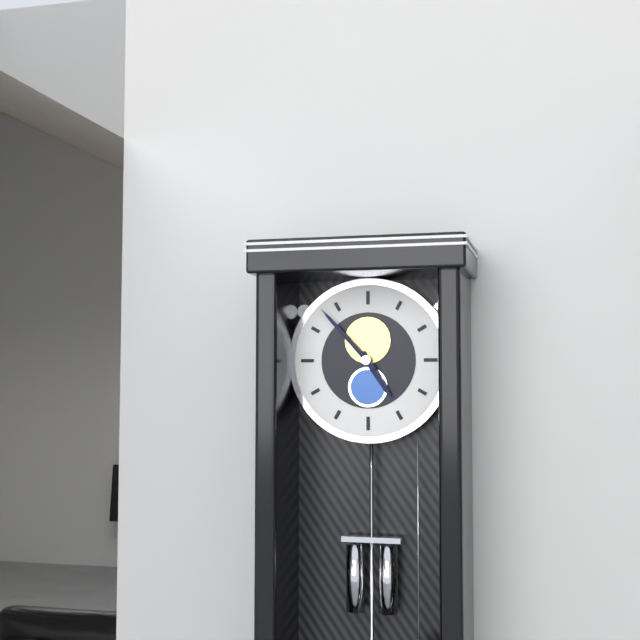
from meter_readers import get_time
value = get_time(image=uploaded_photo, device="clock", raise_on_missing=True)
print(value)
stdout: 4:53
